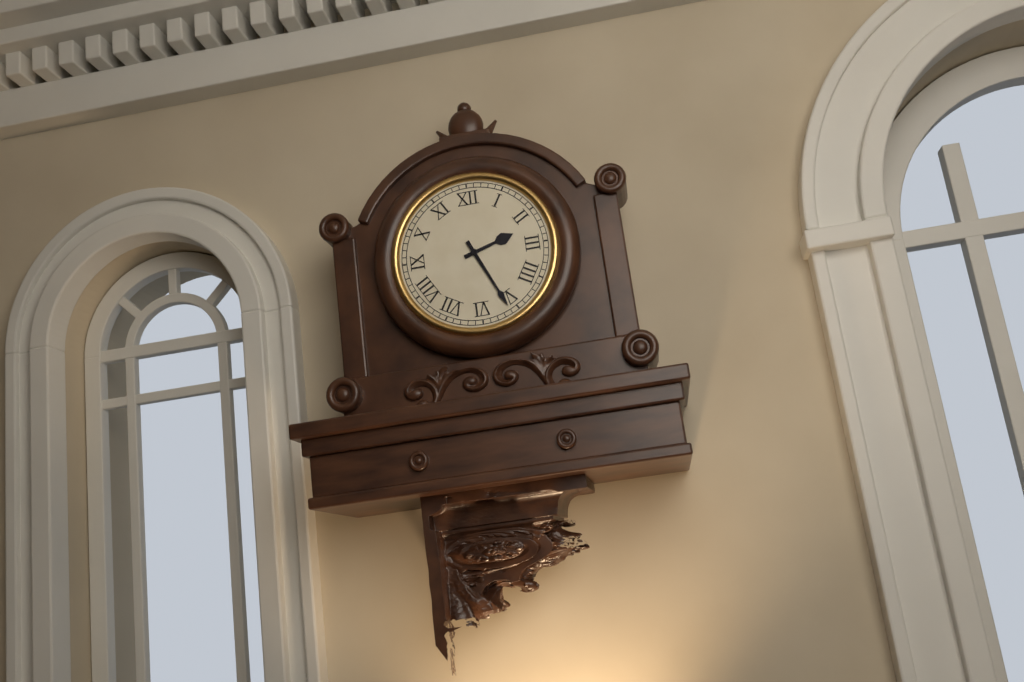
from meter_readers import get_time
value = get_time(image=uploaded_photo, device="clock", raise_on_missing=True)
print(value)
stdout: 2:26
